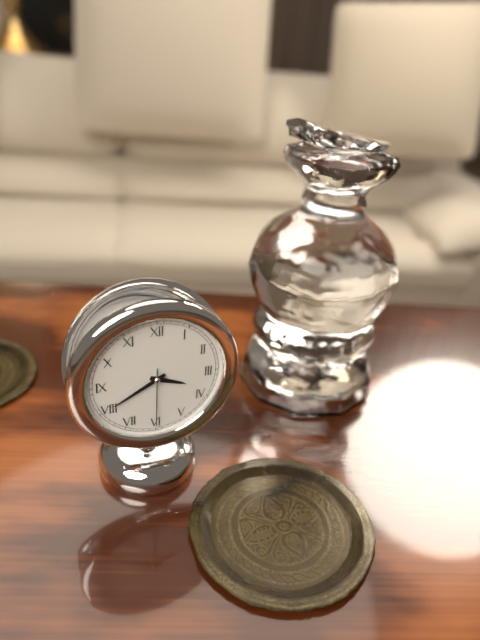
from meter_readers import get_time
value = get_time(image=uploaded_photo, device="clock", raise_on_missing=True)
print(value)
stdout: 3:40:30
